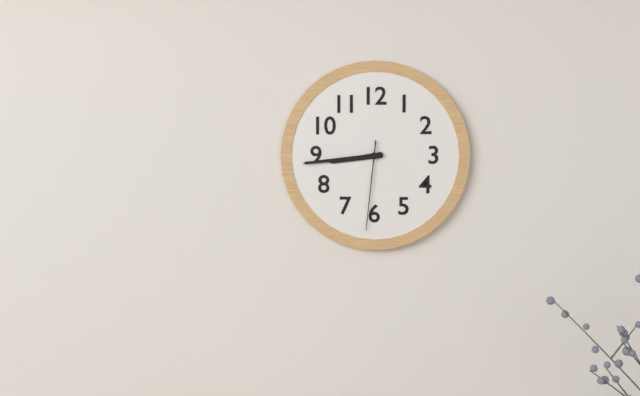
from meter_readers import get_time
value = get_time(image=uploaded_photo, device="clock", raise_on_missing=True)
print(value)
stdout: 8:44:31
